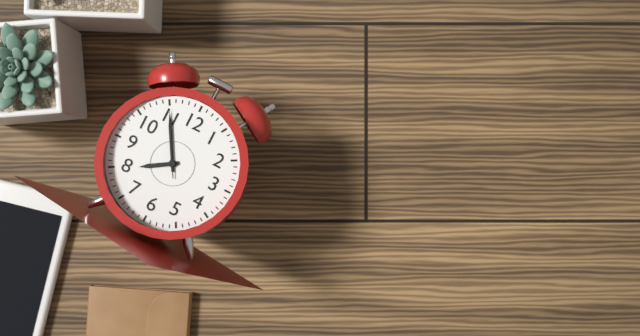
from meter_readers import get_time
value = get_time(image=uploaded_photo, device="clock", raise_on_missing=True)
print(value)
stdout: 7:55:55
